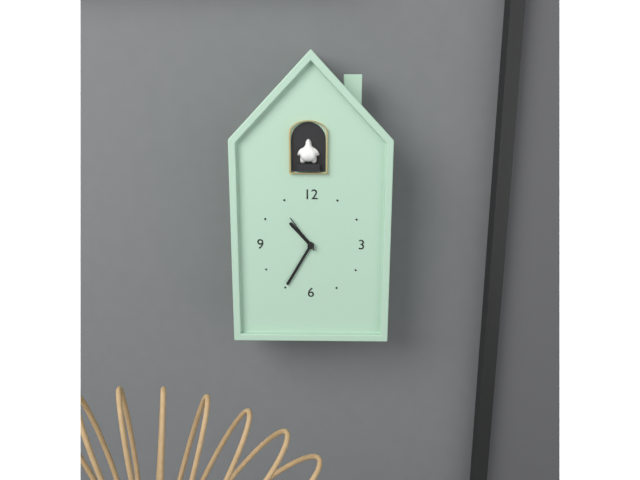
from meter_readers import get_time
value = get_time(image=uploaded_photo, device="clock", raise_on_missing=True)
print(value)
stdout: 10:35
